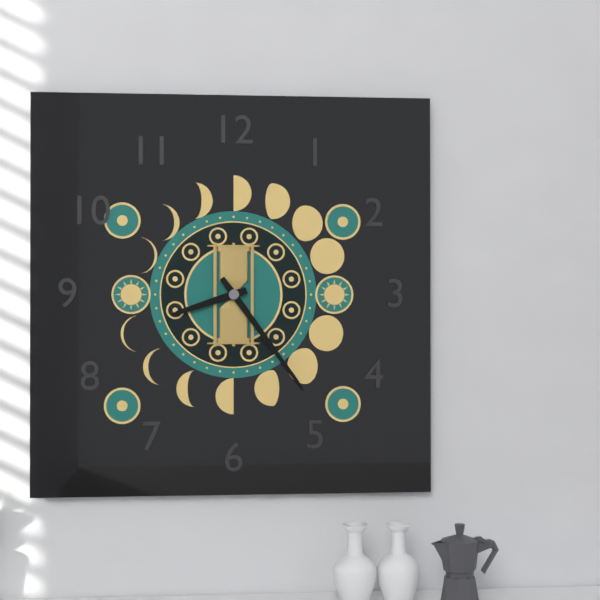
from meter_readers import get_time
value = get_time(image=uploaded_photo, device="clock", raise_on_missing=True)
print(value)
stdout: 8:24
